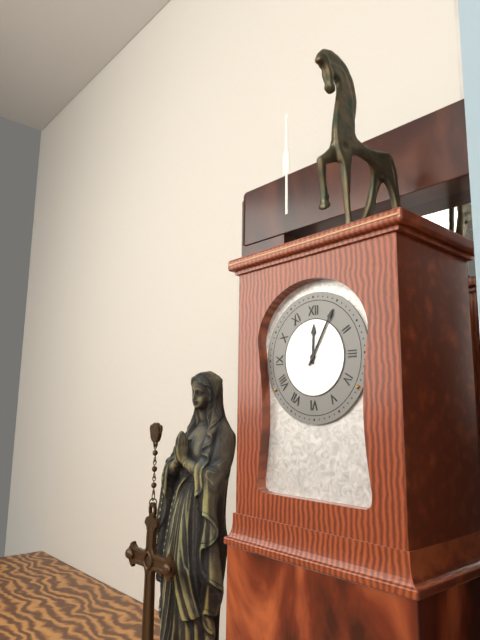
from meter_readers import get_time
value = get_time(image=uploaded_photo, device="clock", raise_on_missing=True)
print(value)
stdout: 12:05
